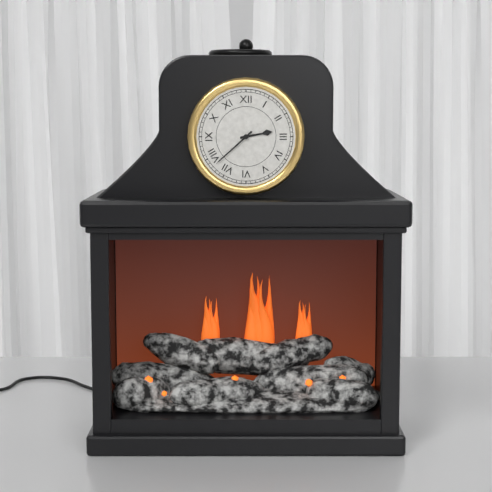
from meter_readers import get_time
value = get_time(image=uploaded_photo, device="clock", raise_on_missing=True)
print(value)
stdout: 2:38
